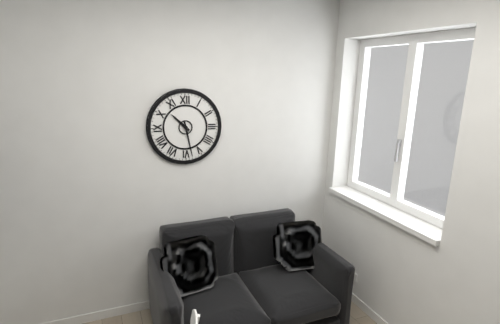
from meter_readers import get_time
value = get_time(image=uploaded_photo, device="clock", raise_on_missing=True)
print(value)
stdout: 10:28
